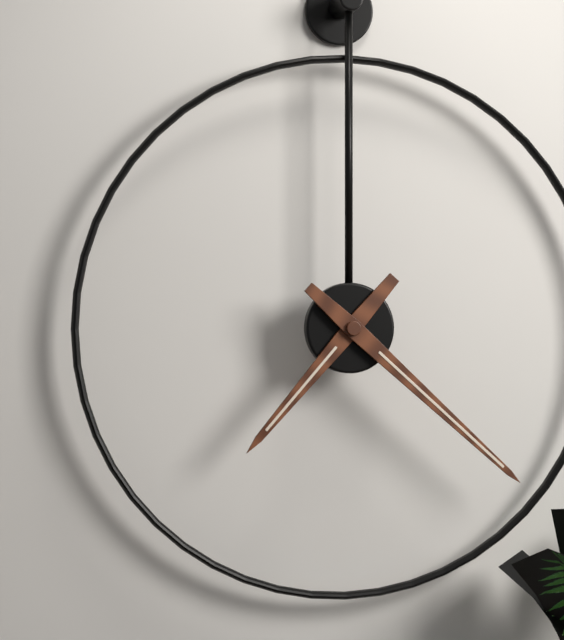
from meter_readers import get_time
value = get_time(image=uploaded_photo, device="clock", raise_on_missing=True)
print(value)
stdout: 7:22
